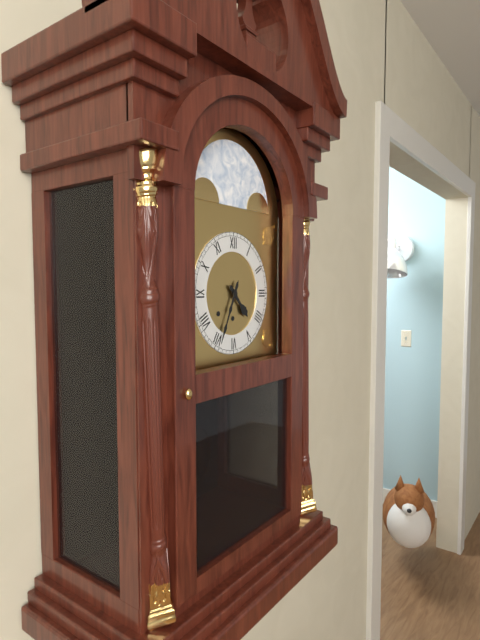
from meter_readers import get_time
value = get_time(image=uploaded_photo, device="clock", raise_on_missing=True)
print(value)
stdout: 4:34
